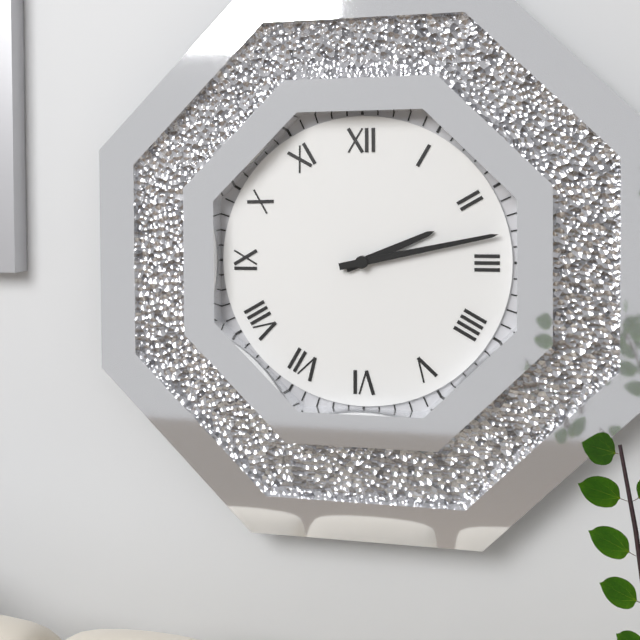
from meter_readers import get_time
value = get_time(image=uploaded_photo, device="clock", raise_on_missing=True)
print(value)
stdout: 2:13
